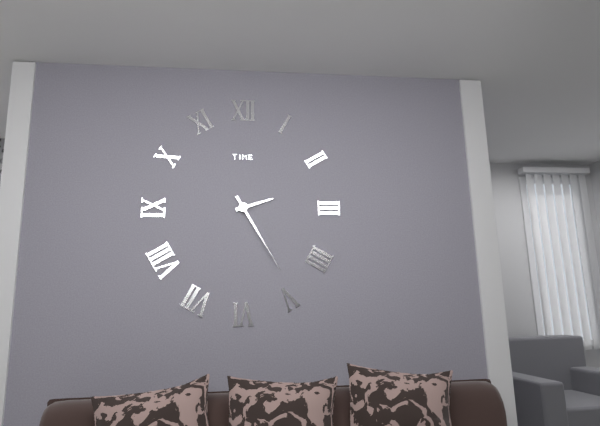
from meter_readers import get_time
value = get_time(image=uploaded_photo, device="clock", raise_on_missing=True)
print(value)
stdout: 2:25
